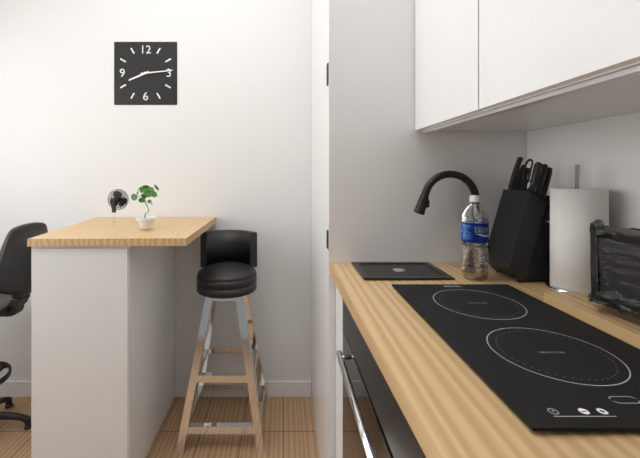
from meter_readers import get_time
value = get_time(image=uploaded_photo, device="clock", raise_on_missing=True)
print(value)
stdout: 8:14
